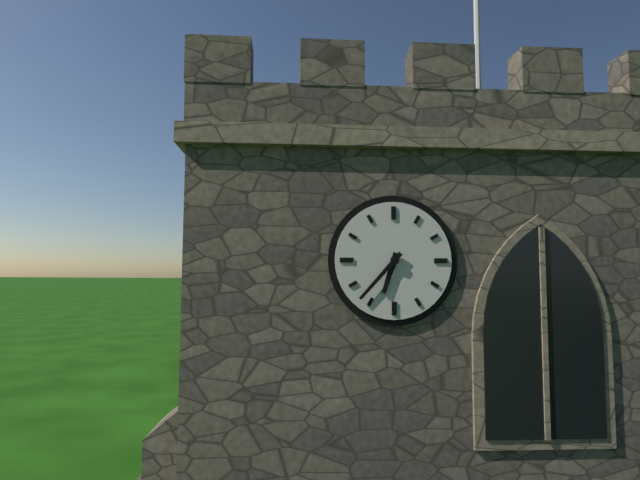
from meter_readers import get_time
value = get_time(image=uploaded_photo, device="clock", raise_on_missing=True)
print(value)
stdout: 6:37
